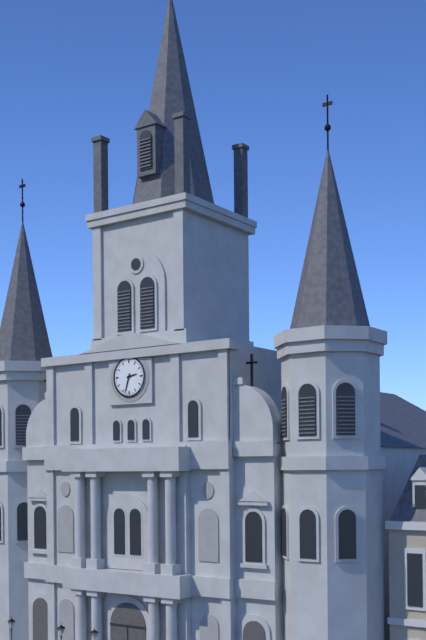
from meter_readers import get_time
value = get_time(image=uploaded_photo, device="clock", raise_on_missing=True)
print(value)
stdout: 2:33
